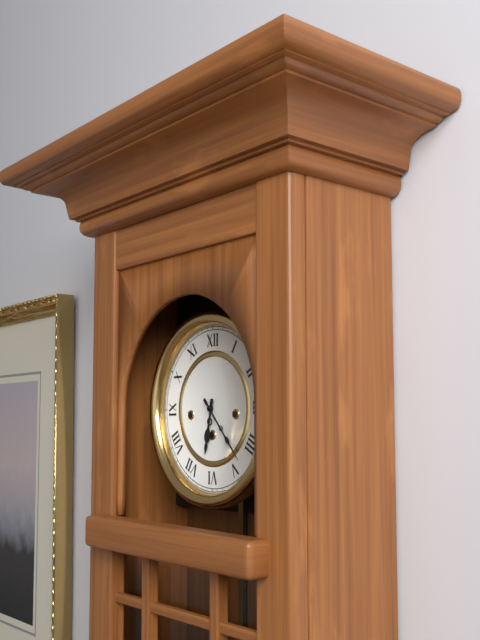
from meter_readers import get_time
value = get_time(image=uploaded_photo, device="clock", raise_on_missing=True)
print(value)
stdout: 6:23
